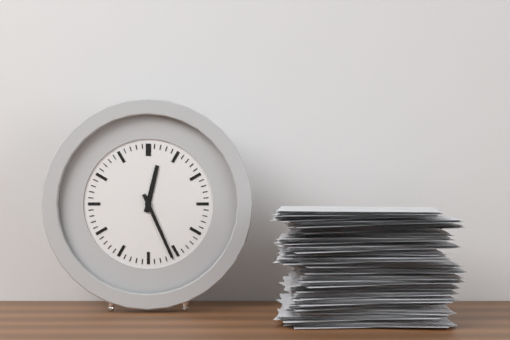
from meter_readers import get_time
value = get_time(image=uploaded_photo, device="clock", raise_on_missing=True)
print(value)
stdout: 12:26
